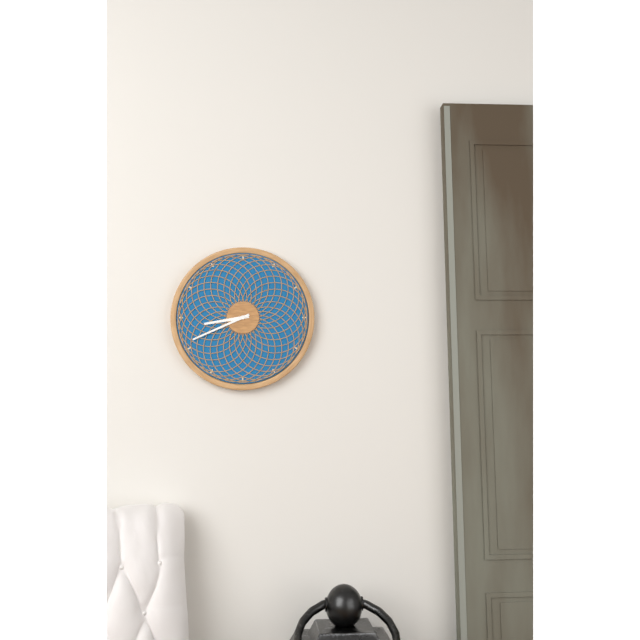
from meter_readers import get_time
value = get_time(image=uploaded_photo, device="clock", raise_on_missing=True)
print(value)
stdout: 8:41
